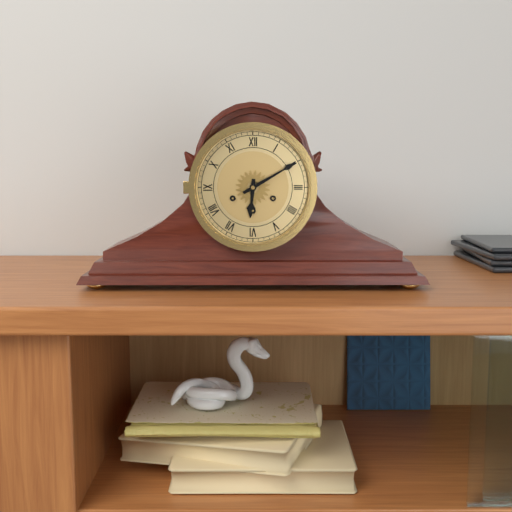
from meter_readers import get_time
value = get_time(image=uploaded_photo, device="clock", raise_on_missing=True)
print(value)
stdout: 6:10
